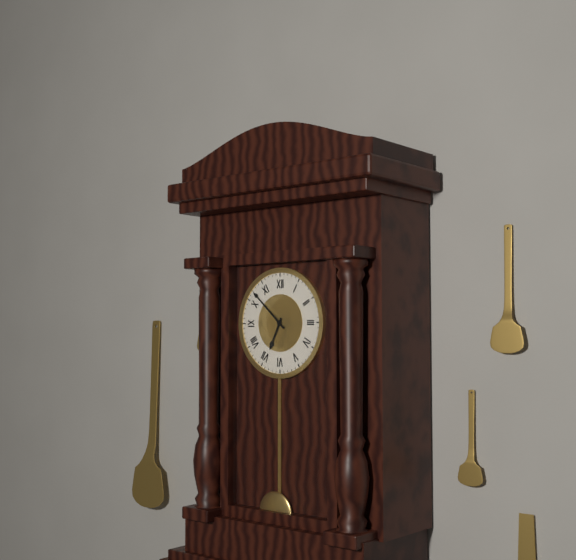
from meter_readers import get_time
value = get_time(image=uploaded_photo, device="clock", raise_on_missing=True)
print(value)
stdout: 6:52
